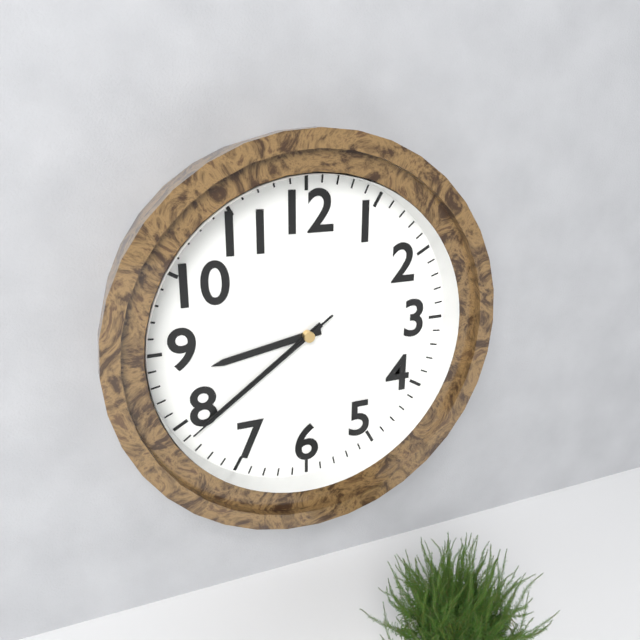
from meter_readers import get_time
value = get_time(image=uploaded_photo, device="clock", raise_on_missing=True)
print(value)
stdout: 8:39:39
